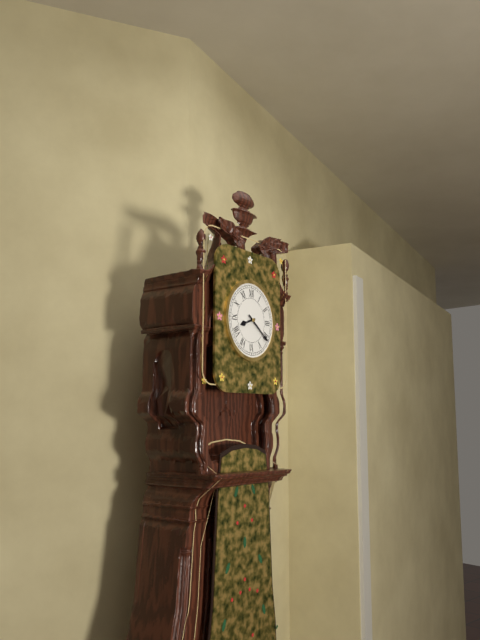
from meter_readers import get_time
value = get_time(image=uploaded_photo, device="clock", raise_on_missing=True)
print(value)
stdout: 8:21
